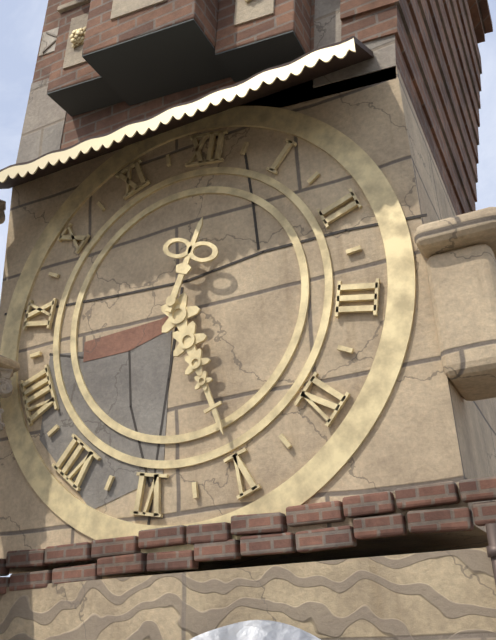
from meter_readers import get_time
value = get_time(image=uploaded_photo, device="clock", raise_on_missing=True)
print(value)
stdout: 12:25
